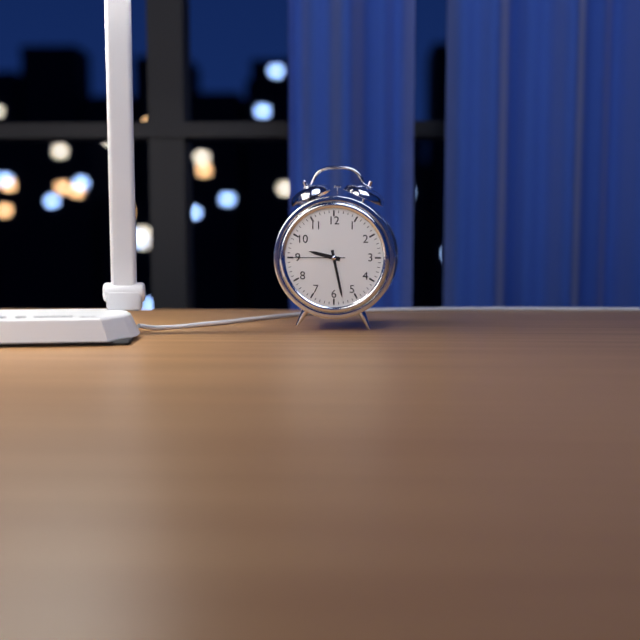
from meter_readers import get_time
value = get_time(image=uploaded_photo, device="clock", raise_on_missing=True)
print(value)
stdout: 9:28:45
